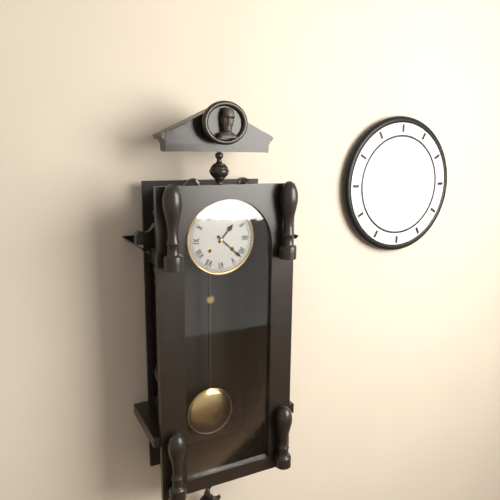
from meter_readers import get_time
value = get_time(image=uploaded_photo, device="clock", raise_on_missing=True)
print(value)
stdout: 1:22
